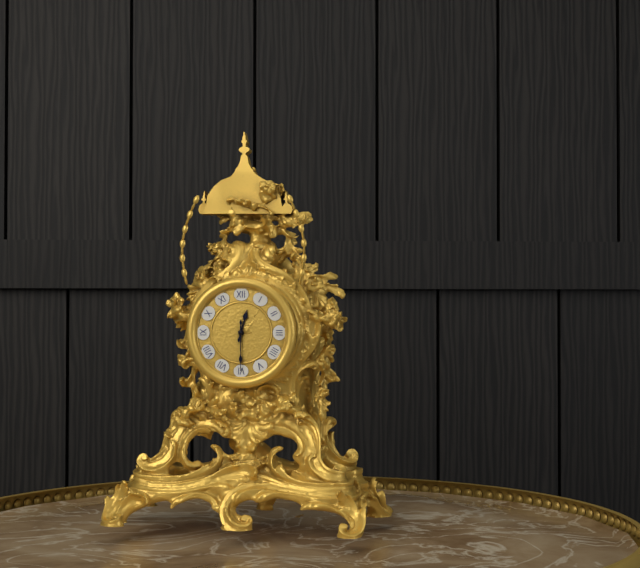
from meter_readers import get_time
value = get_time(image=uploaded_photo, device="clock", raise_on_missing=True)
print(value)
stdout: 12:30
